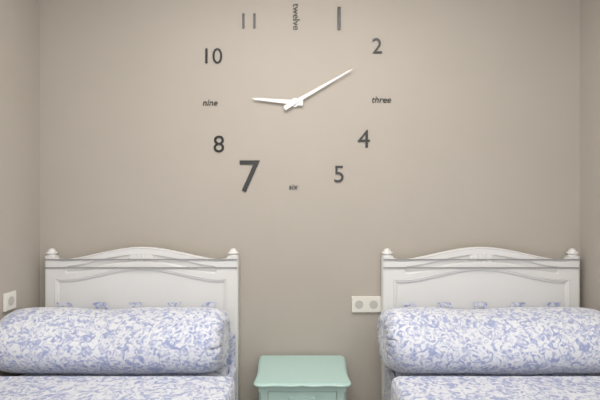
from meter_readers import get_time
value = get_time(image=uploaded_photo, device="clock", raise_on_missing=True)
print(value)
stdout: 9:10
